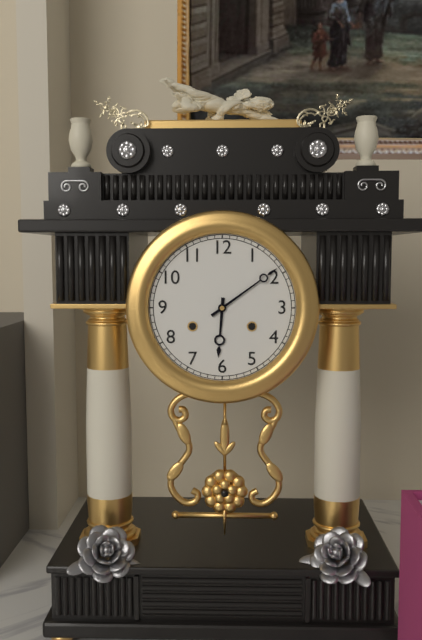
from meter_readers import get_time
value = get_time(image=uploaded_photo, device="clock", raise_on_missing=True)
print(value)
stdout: 6:09
